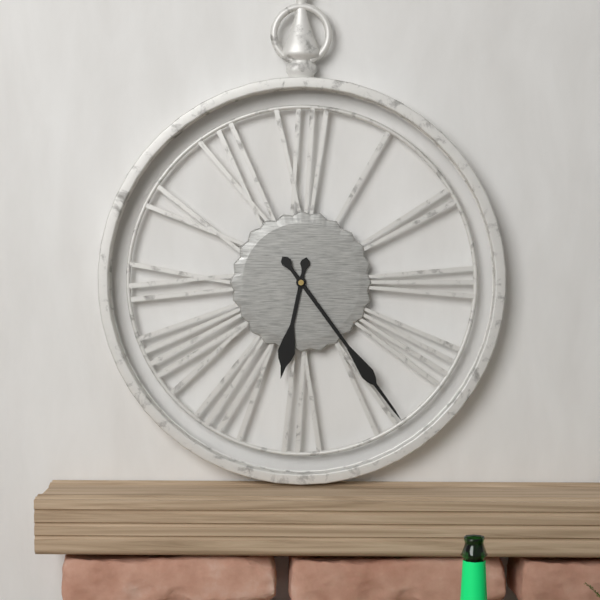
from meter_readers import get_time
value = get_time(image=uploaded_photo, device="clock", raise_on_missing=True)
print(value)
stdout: 6:24
